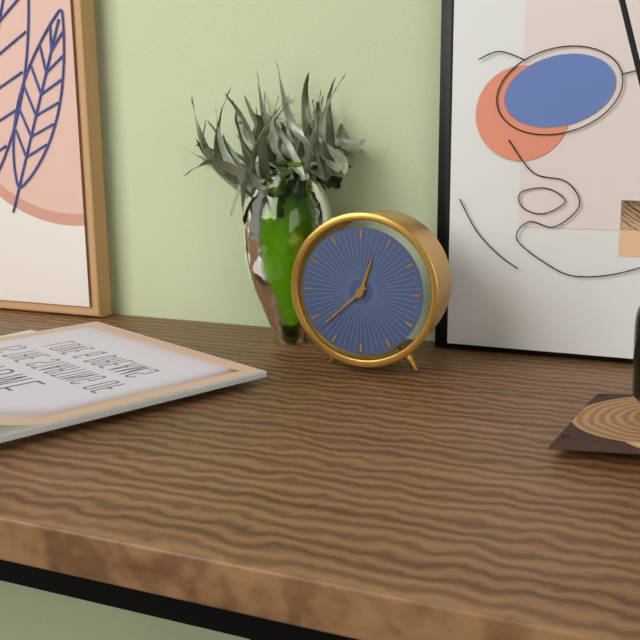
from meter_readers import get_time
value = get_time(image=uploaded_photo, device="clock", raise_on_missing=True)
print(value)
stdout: 12:38
